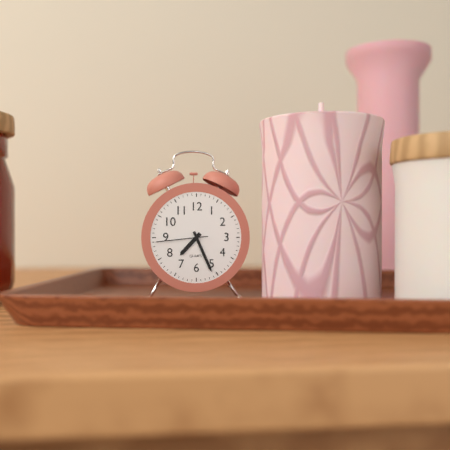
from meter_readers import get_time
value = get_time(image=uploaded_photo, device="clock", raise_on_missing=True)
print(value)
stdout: 7:26:44
